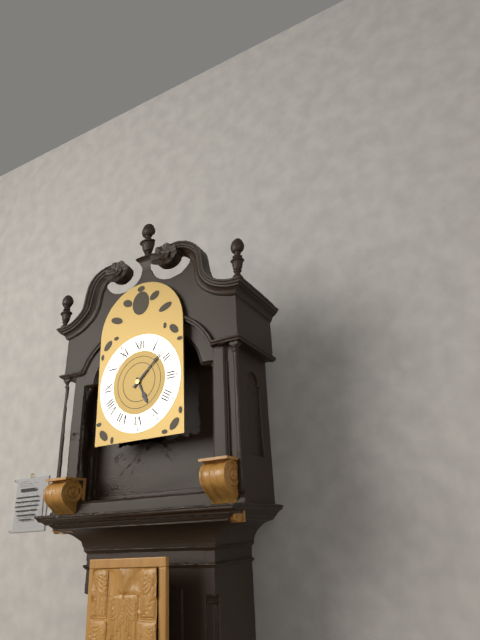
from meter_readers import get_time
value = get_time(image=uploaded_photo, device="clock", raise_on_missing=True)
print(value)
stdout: 5:08
